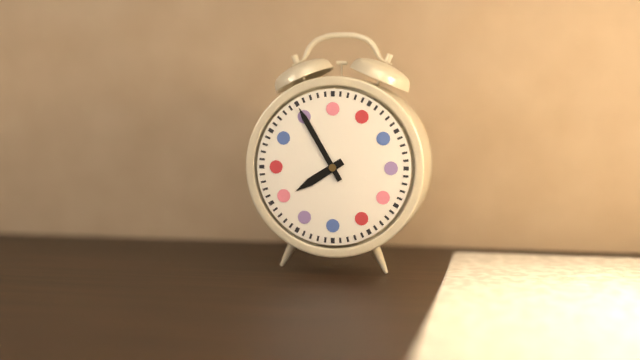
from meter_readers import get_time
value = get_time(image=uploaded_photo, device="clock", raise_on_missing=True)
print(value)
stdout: 7:55
